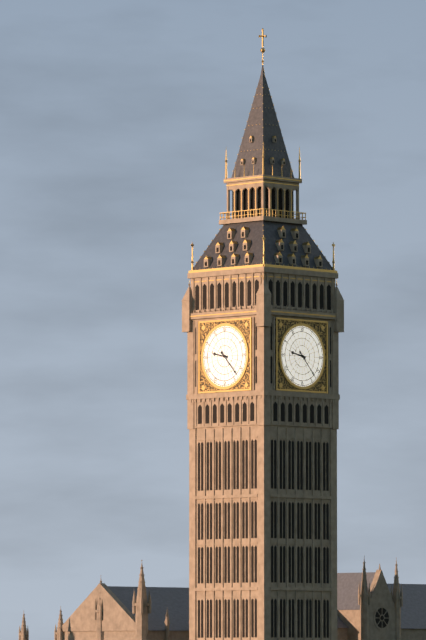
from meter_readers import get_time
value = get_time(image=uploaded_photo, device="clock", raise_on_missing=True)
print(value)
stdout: 9:23
